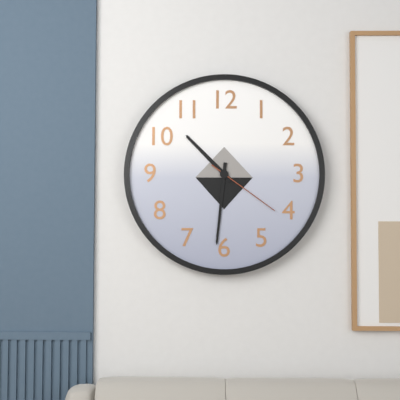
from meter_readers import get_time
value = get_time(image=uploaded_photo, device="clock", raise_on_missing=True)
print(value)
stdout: 10:31:21
